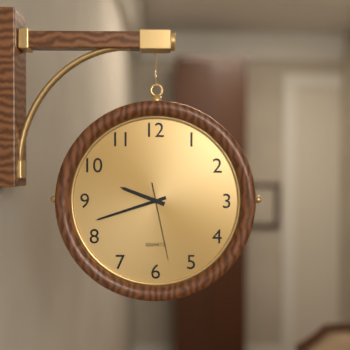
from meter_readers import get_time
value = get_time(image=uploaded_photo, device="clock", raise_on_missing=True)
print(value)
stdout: 9:42:28
